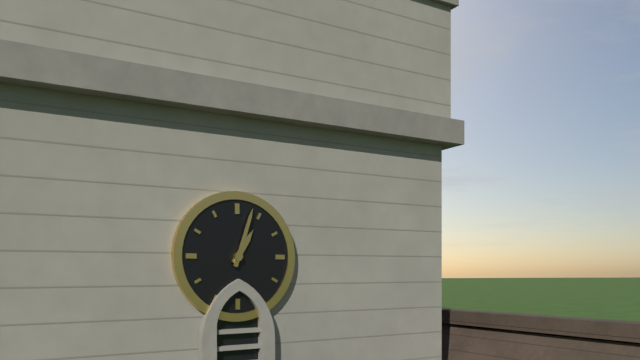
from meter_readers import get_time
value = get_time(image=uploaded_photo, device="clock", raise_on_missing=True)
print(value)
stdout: 1:03
